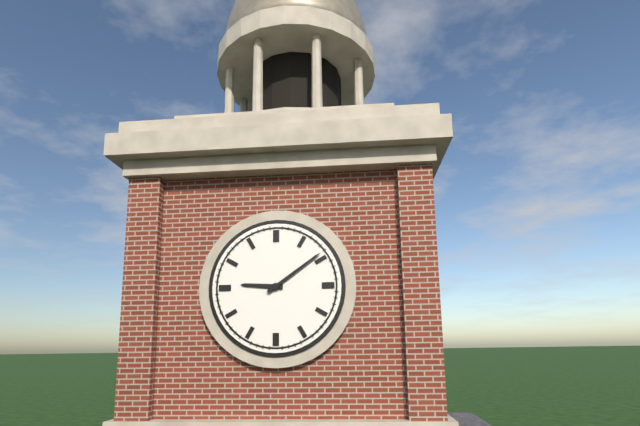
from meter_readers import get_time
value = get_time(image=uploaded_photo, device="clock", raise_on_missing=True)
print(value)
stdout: 9:09
